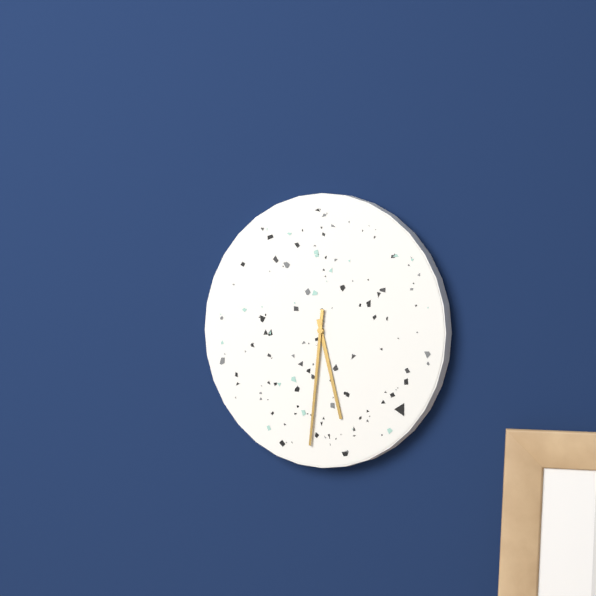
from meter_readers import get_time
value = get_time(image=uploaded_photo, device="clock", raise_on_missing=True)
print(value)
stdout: 5:31
